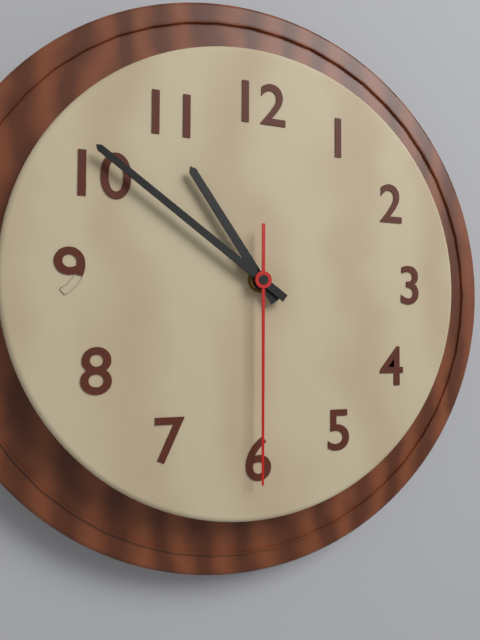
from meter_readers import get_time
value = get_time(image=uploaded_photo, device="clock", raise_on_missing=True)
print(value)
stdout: 10:51:30
